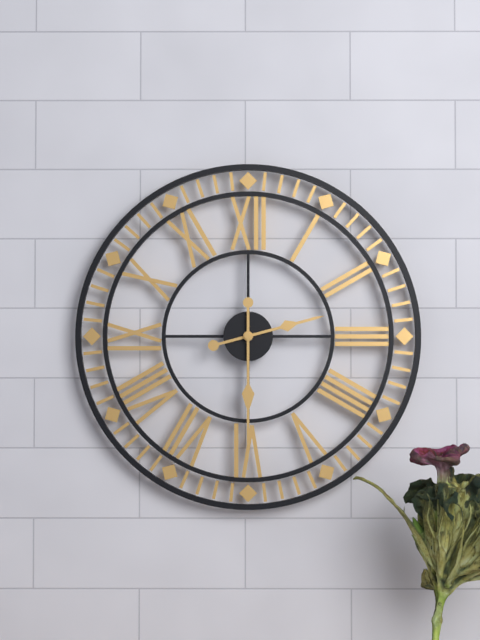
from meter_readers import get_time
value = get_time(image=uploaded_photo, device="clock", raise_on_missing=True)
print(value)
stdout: 2:30
